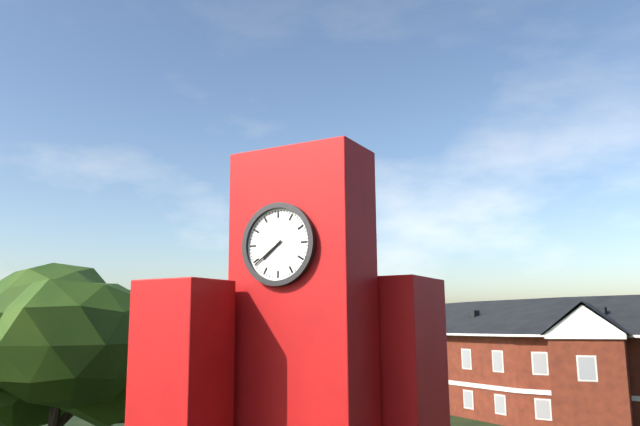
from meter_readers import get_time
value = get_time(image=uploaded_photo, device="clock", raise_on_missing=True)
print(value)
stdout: 7:39
